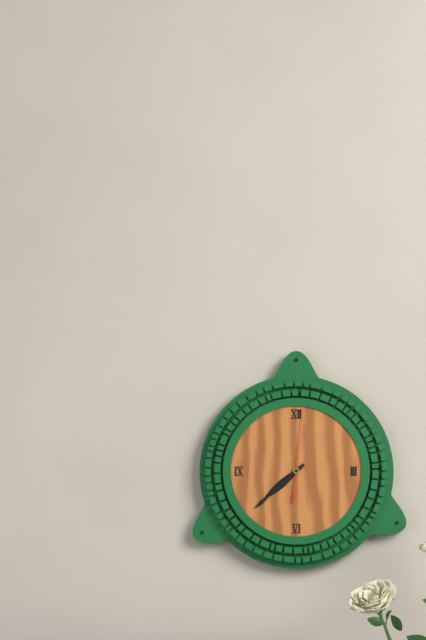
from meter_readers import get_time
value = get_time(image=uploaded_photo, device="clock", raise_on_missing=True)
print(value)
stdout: 7:38:01
